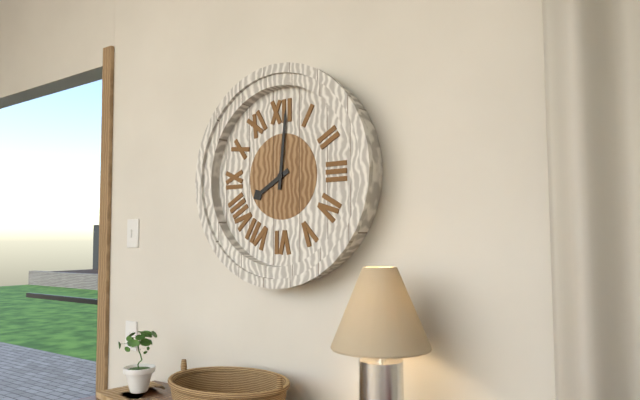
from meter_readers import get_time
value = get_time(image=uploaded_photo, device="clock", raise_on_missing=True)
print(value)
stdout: 8:01
